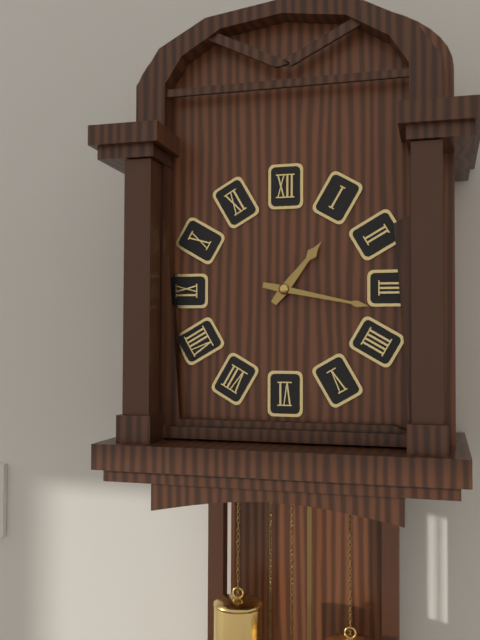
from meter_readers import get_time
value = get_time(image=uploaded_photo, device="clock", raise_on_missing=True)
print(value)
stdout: 1:17
